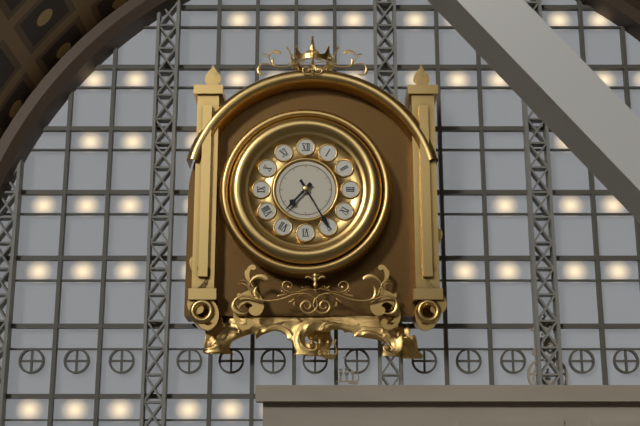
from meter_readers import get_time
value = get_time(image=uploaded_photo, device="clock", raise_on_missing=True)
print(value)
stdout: 7:25
